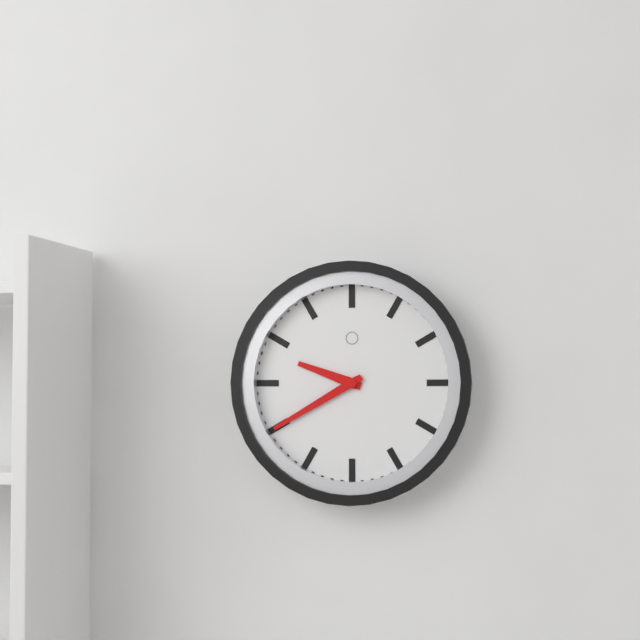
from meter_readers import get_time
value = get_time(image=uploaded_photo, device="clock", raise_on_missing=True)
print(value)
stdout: 9:40
